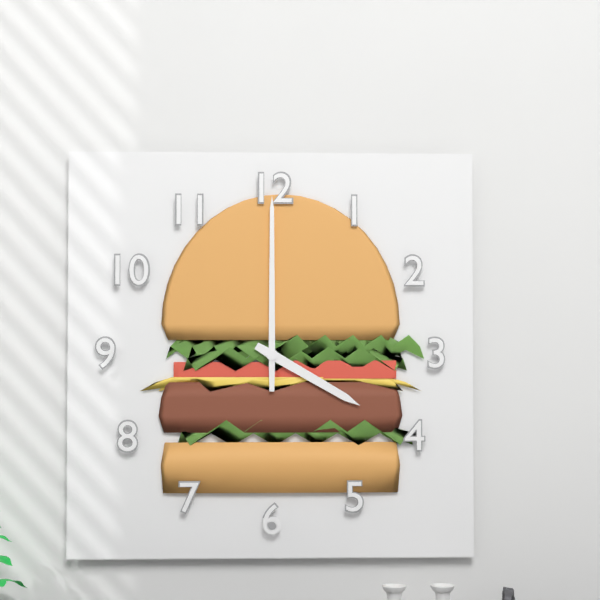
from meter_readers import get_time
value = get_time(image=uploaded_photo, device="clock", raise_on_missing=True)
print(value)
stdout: 4:00
